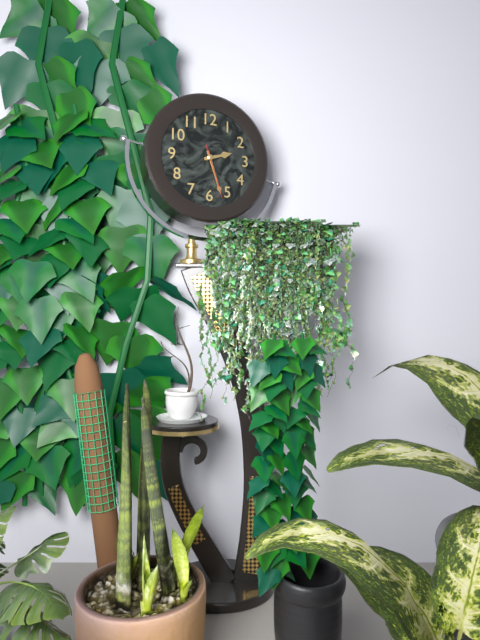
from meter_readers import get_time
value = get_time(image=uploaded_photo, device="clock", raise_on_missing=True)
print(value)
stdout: 2:27:27
